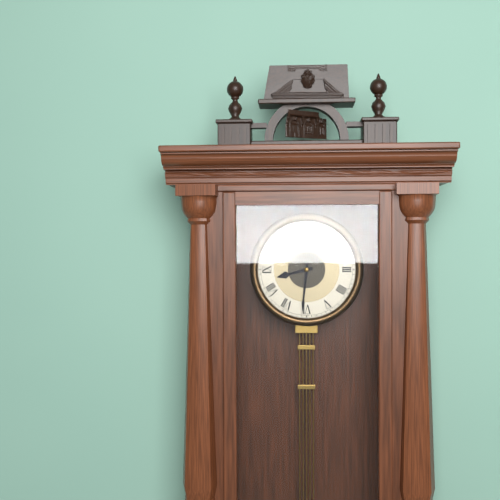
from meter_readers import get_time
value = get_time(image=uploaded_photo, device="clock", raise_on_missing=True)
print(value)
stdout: 8:31
